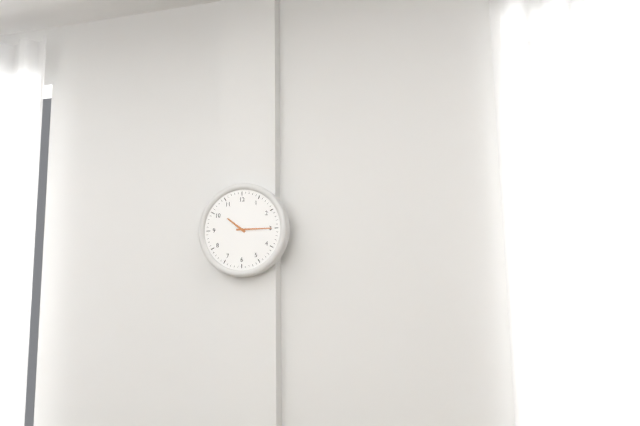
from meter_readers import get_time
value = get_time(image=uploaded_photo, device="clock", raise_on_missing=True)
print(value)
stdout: 10:15
